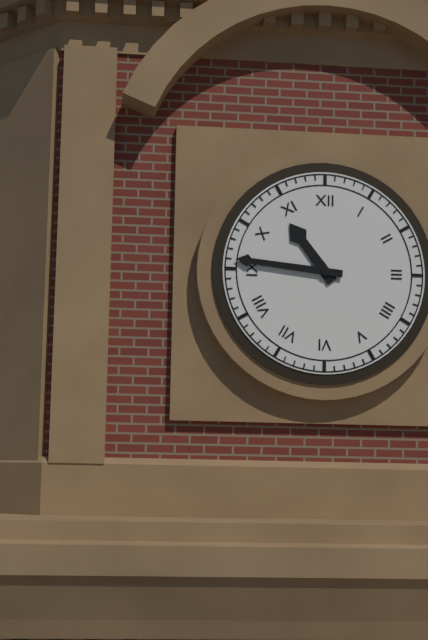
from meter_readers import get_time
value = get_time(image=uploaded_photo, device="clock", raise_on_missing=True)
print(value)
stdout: 10:46
